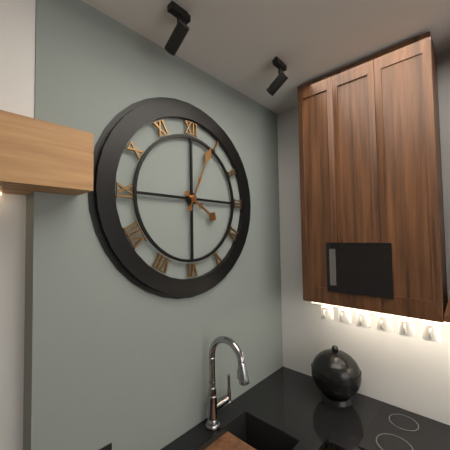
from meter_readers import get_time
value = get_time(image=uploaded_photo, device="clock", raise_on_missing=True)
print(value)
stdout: 4:04
